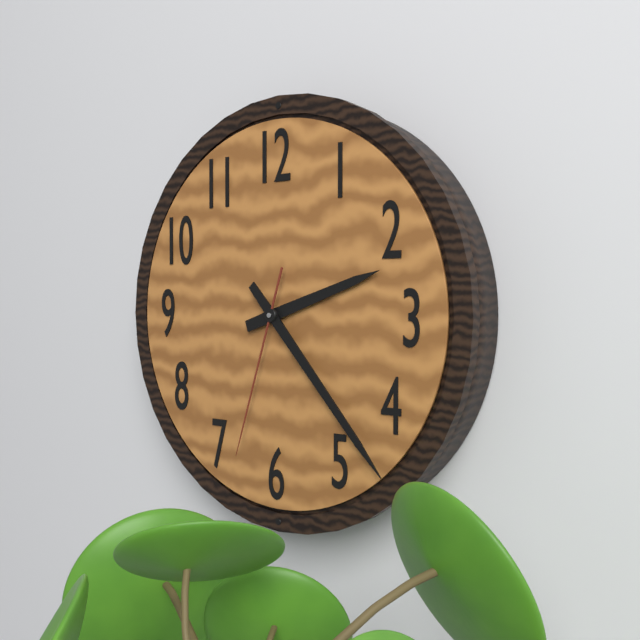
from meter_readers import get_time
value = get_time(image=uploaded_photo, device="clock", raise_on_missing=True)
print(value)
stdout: 2:23:33
